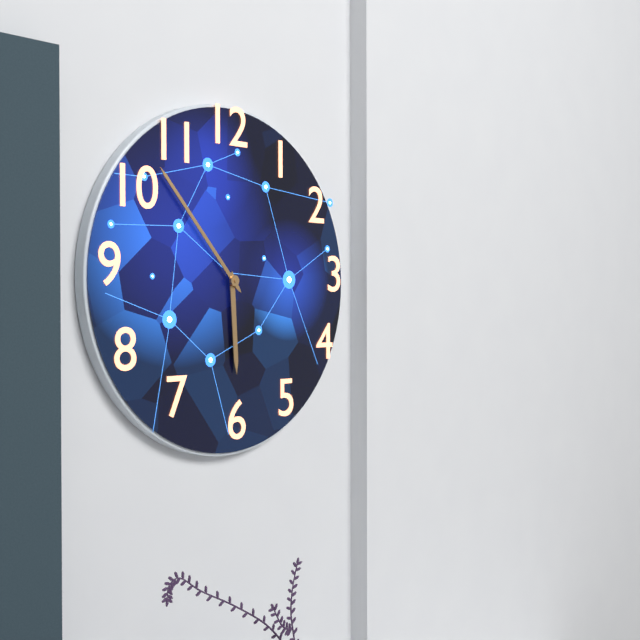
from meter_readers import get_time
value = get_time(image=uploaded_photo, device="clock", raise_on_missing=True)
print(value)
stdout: 5:53
